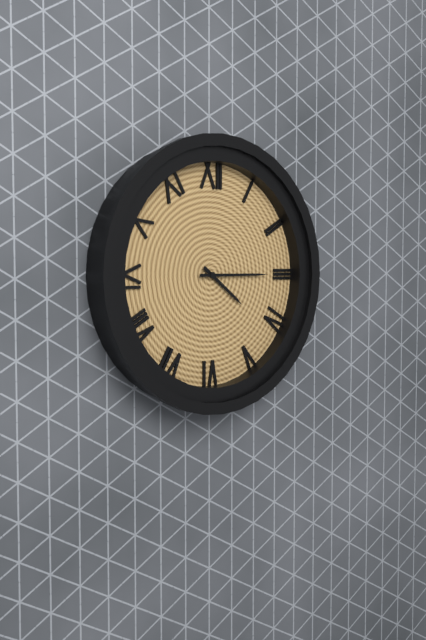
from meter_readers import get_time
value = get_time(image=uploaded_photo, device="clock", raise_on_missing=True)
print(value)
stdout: 4:15
